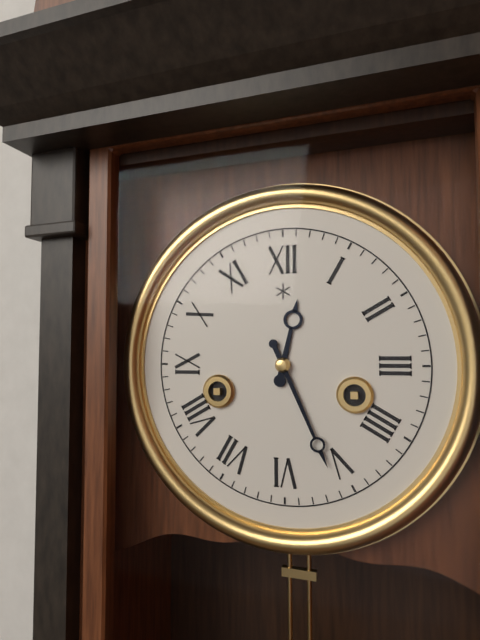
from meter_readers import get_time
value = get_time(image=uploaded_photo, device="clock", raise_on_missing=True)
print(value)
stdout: 12:26
